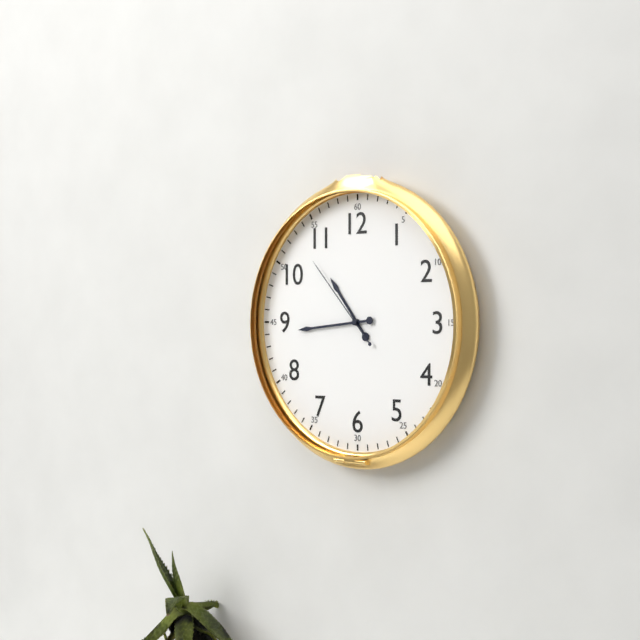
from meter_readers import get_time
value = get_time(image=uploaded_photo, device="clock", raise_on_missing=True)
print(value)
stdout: 10:44:53
